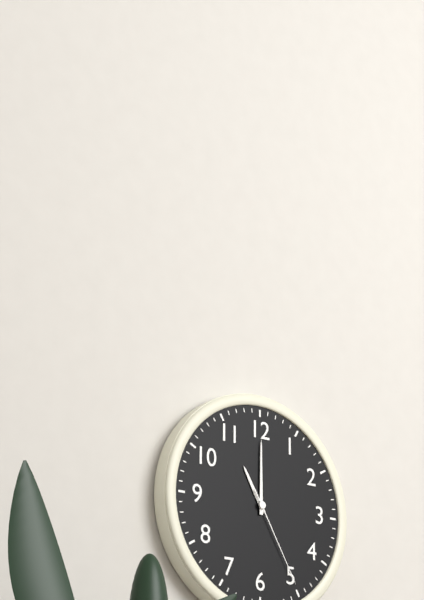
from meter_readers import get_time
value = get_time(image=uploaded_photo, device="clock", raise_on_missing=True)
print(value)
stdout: 11:00:25
